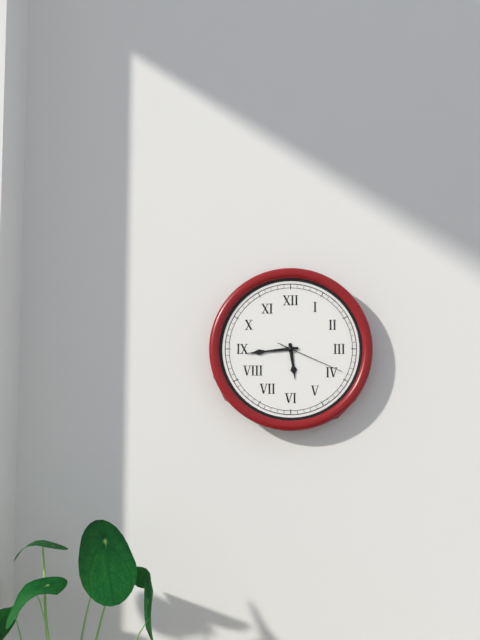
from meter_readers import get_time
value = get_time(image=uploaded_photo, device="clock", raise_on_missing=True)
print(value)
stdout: 5:44:19
